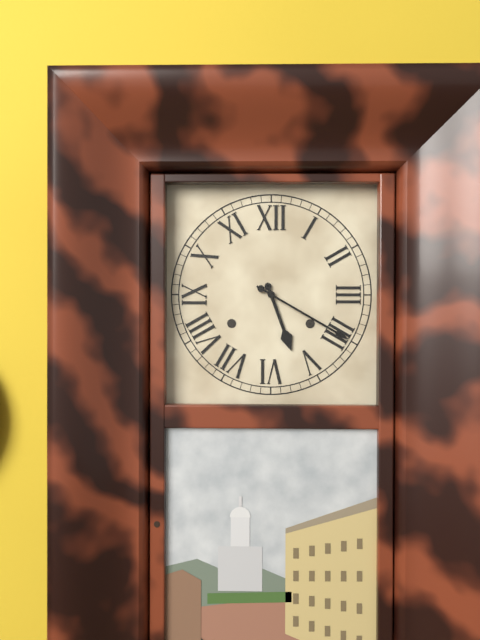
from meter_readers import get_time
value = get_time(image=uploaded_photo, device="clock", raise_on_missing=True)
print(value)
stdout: 5:20
